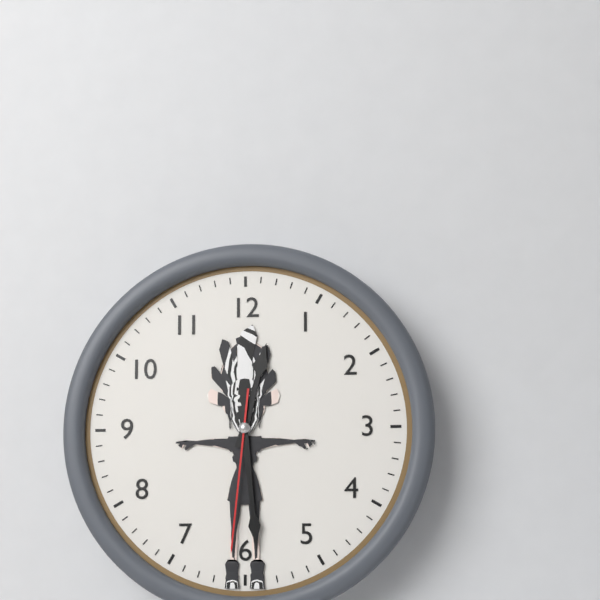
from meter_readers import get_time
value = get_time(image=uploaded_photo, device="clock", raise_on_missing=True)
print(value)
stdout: 12:29:31
